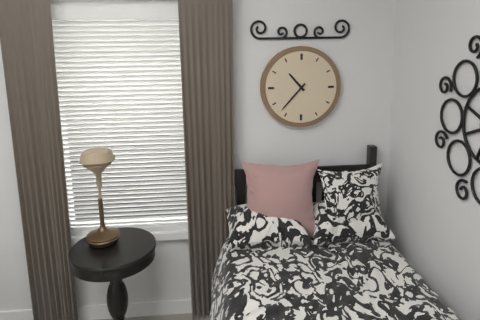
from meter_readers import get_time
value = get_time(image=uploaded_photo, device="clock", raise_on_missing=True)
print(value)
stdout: 10:37
